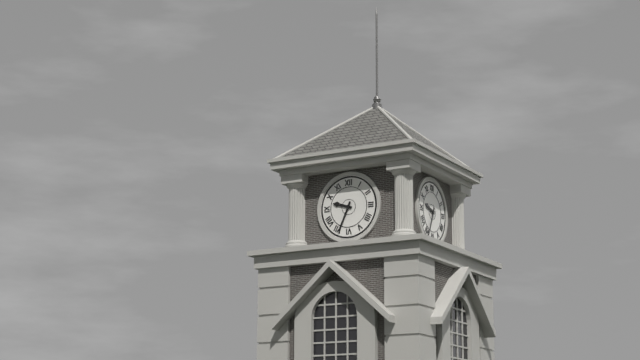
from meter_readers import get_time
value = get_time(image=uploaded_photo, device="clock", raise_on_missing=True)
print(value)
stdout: 9:34
